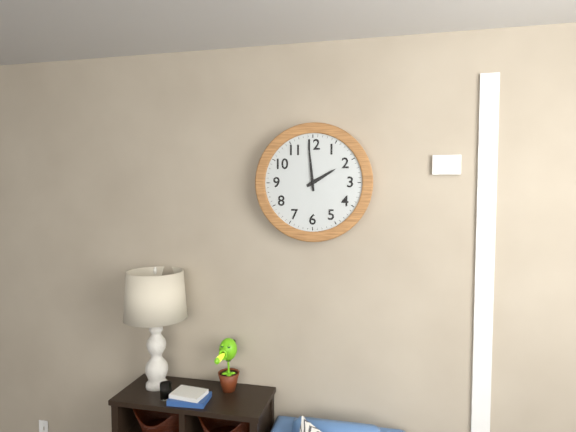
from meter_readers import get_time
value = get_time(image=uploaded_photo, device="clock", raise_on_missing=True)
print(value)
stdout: 1:59
